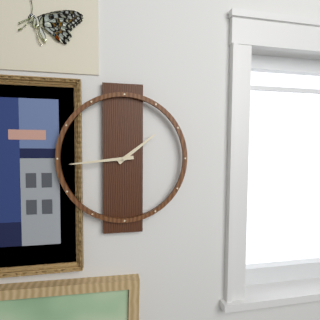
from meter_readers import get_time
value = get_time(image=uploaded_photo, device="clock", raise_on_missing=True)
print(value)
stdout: 1:44
